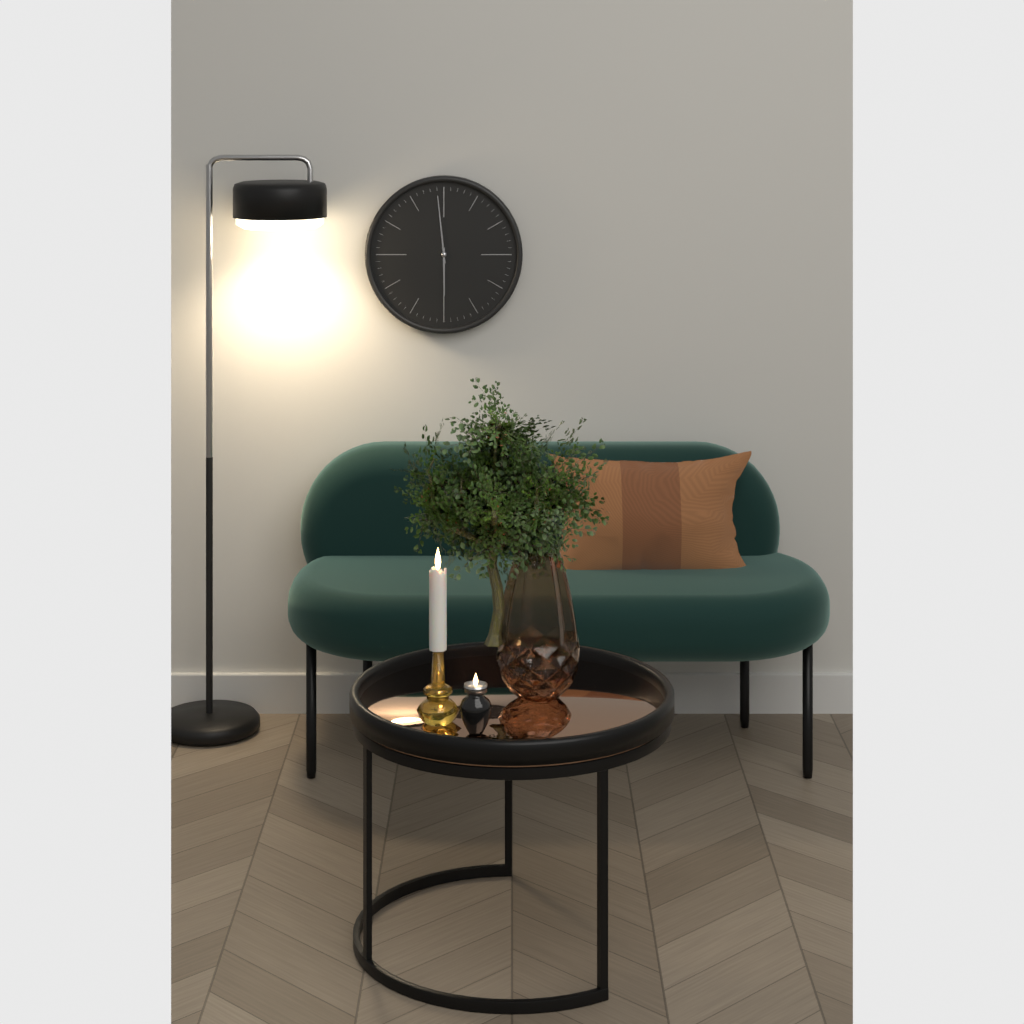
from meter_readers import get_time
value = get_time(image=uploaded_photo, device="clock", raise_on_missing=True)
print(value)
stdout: 5:59
